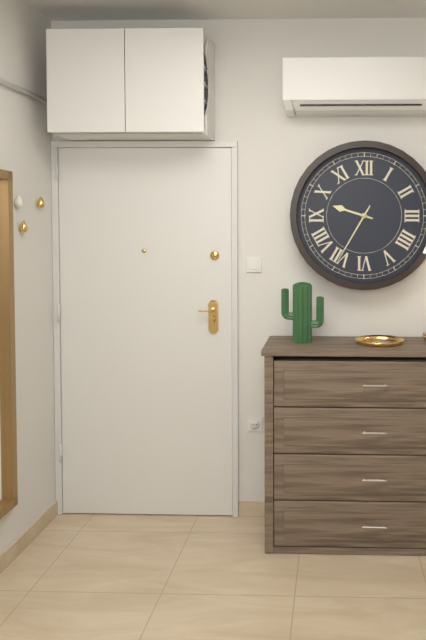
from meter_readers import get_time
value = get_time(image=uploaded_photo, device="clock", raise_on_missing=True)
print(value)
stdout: 9:35
